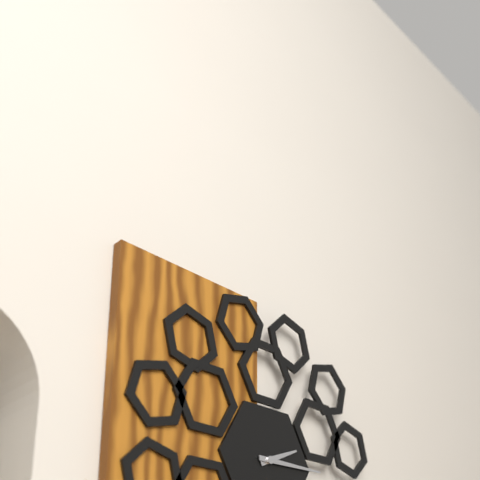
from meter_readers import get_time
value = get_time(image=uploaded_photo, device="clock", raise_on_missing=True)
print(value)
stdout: 2:15
